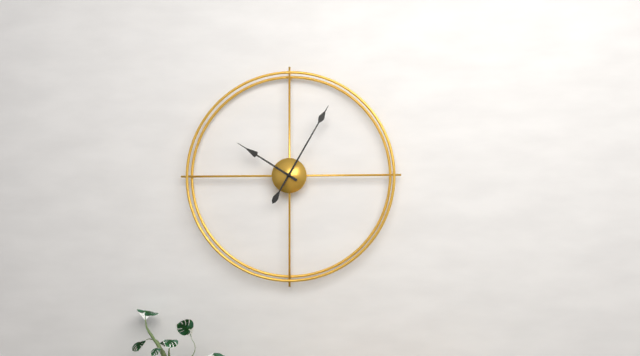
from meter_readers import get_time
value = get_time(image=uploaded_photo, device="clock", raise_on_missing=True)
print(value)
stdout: 10:05
